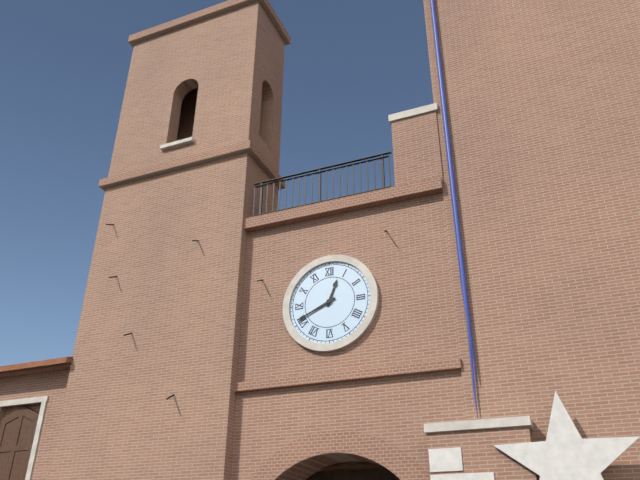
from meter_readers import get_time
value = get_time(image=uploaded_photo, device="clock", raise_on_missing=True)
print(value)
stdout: 12:41
